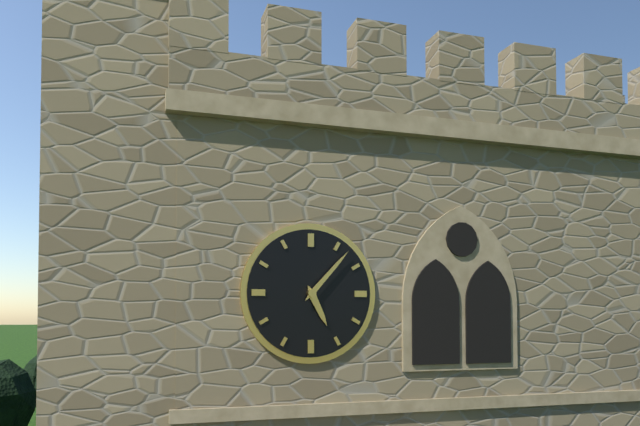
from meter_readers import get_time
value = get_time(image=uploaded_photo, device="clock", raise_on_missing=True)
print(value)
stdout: 5:07
